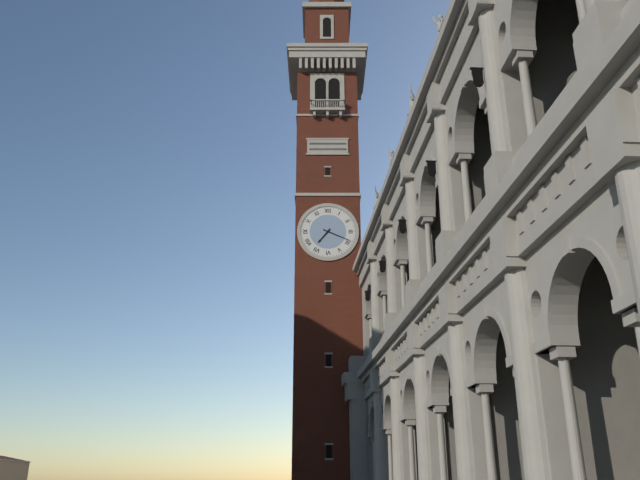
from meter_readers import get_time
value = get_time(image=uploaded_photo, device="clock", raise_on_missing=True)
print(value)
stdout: 7:19
